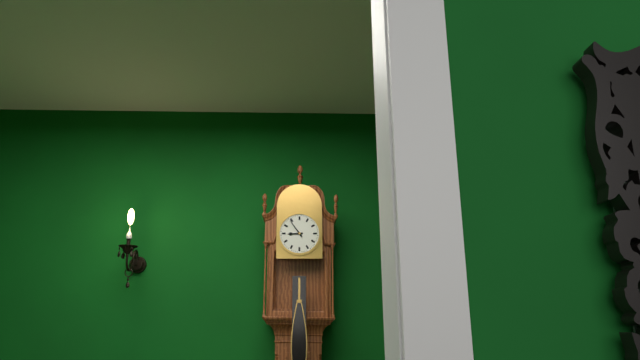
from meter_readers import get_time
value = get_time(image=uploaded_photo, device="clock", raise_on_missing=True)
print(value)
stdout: 8:54
